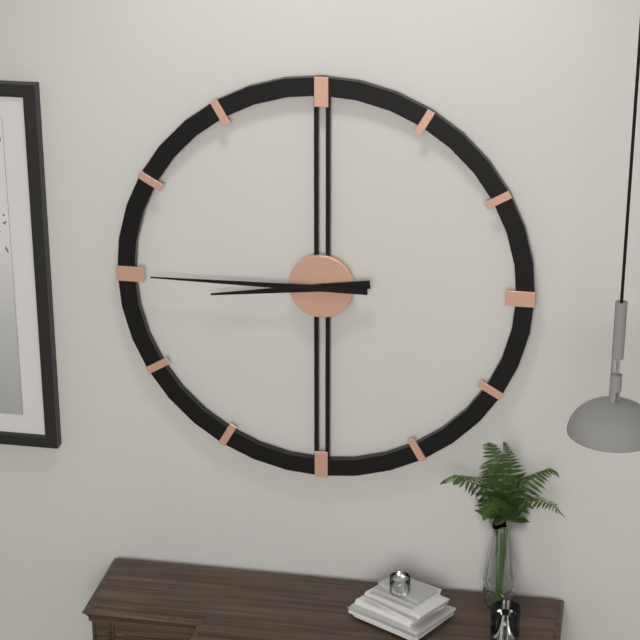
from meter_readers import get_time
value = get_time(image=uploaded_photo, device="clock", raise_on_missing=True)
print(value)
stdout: 8:45
